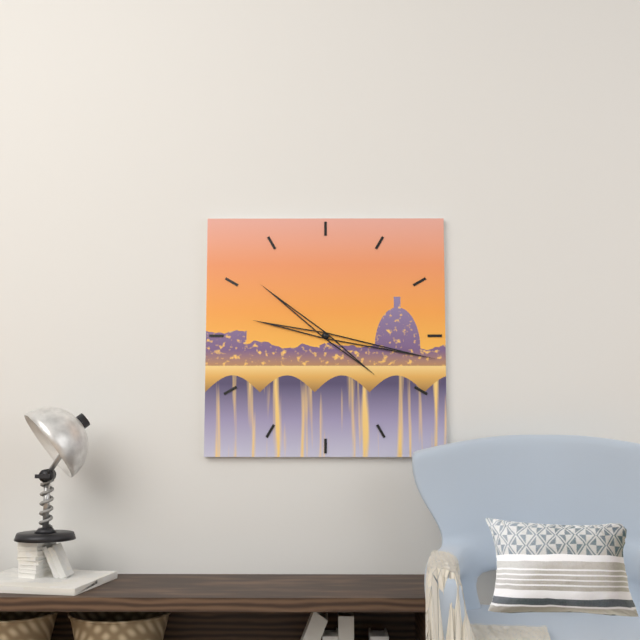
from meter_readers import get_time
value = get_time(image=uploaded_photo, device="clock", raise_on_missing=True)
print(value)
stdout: 10:17
